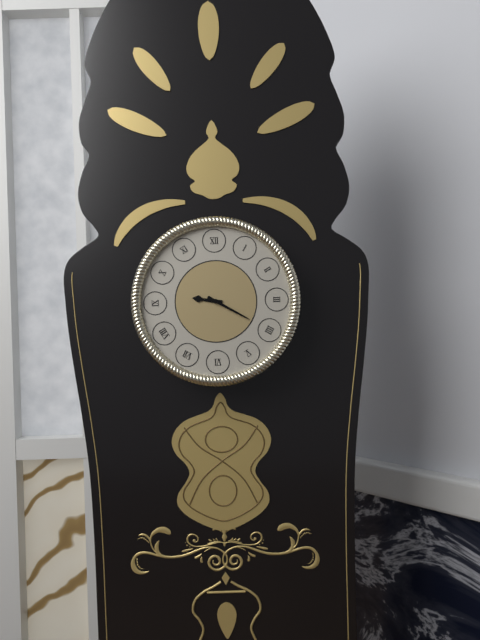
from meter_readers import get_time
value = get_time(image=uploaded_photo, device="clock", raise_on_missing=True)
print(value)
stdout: 9:20
